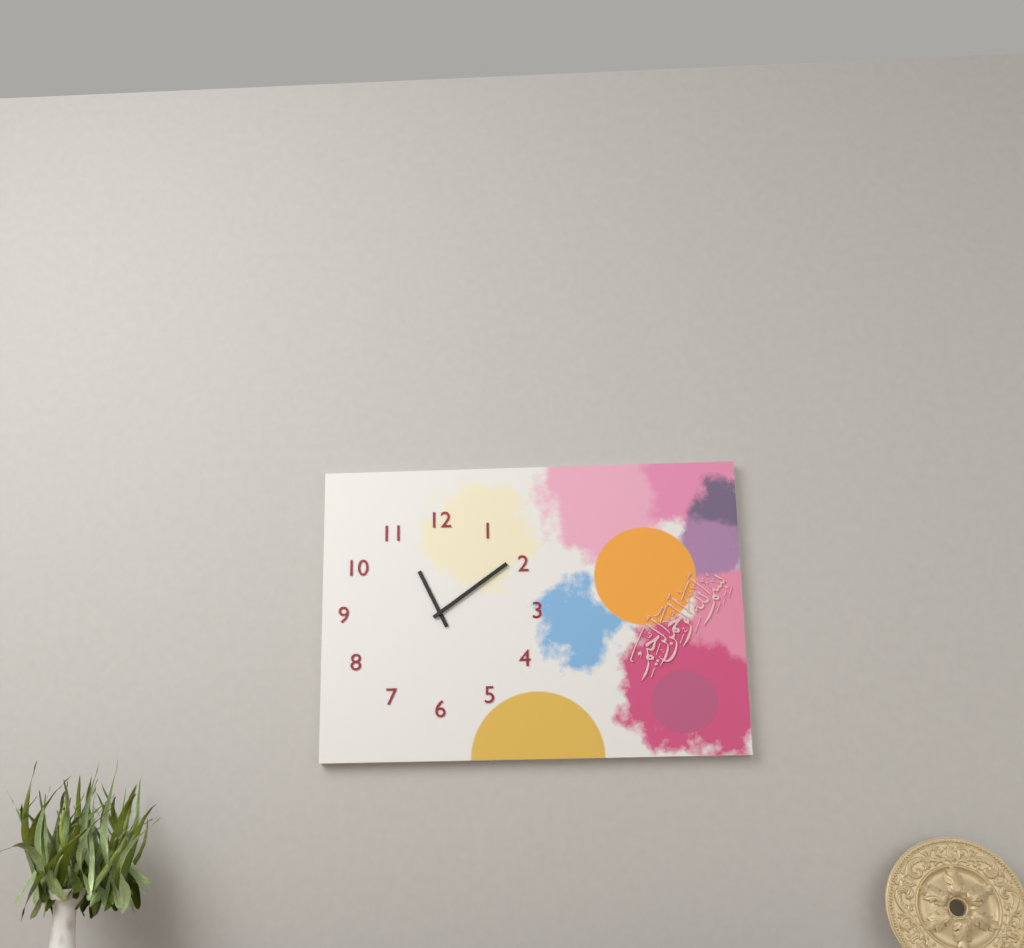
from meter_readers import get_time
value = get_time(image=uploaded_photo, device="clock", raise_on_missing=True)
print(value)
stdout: 11:09
